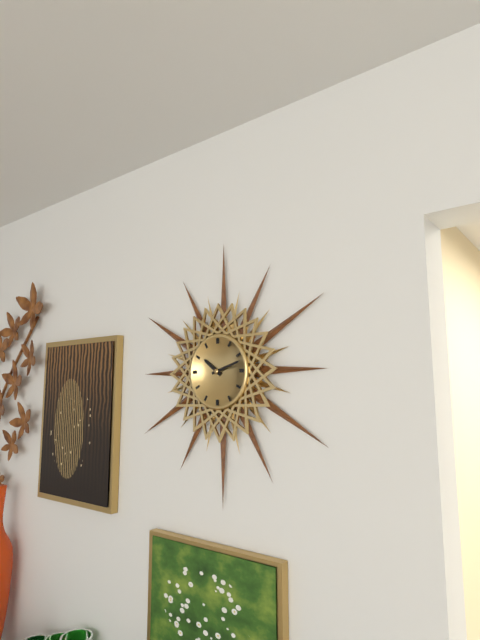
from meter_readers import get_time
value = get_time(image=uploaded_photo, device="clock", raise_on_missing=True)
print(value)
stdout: 10:12
